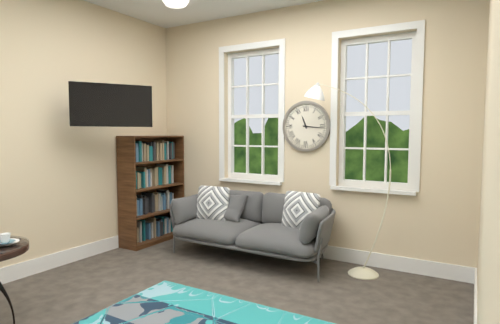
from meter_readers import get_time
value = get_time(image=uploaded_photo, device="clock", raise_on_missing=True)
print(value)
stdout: 11:16
